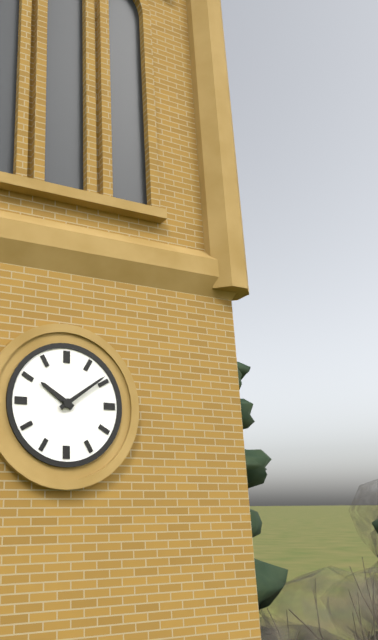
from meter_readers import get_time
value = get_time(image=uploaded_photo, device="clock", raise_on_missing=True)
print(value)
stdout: 10:09
